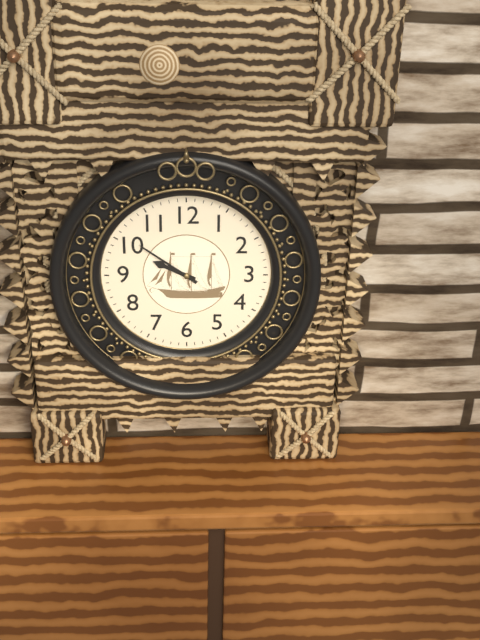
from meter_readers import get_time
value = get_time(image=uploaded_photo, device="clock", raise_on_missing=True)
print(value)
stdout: 9:51
